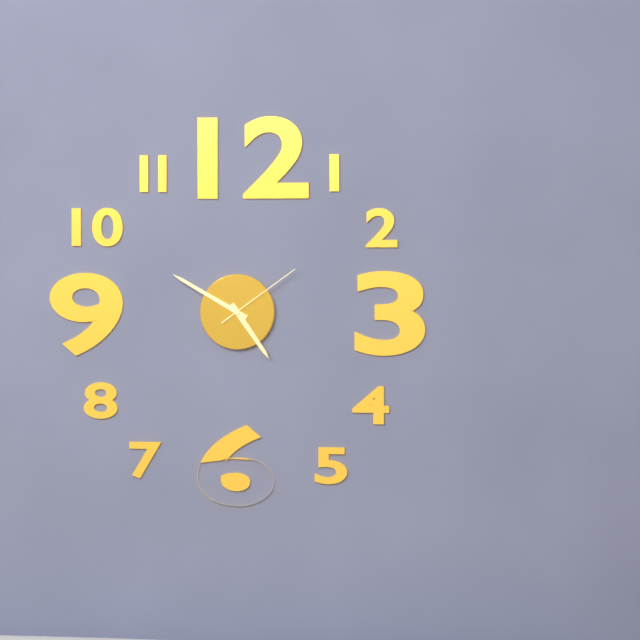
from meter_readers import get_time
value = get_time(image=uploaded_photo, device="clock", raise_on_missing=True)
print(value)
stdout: 4:50:09
